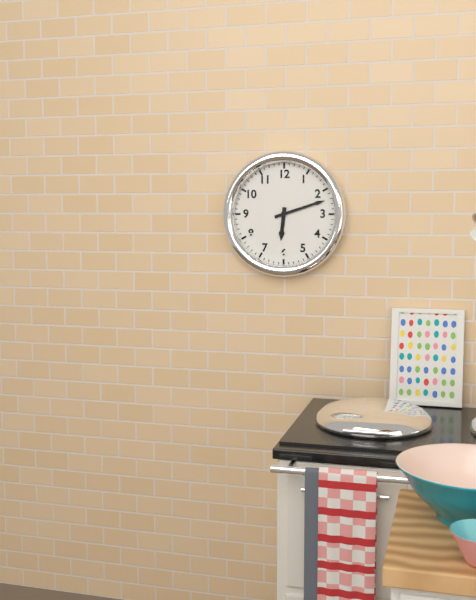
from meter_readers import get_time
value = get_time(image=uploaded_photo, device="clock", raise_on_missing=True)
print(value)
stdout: 6:12
